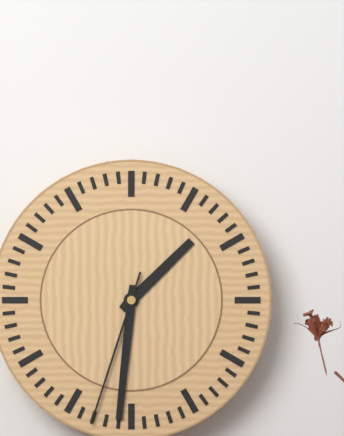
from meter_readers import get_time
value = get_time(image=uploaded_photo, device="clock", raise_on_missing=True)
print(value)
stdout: 1:31:33
